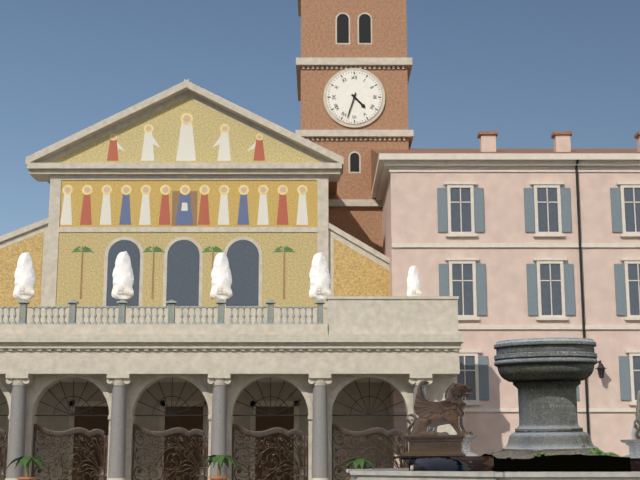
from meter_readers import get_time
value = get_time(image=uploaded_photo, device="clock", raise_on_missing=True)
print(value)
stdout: 4:33
